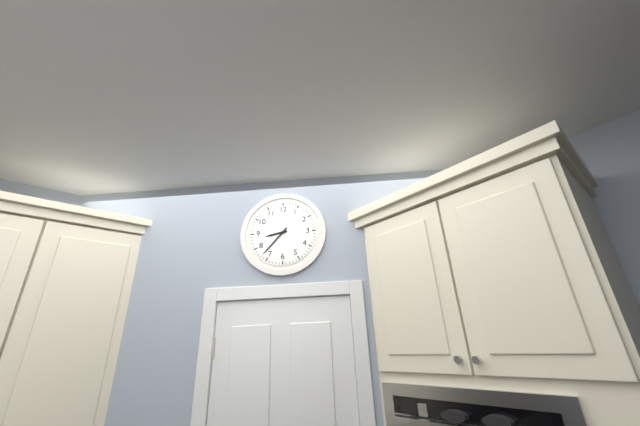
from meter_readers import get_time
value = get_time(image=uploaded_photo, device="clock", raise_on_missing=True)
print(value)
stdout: 8:37
